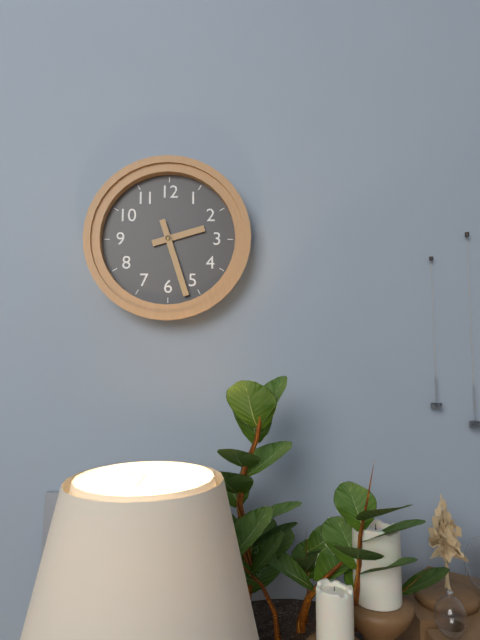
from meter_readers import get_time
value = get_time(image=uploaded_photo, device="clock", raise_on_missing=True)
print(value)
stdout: 2:27
